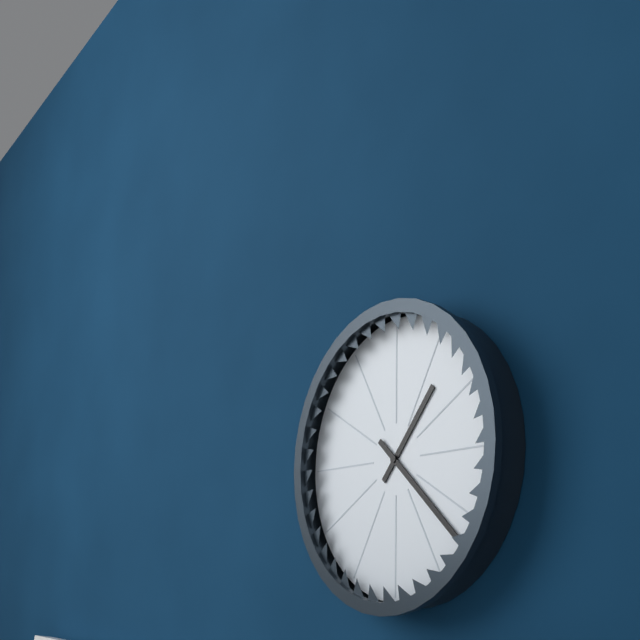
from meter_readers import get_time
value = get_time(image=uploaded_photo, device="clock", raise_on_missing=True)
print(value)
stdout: 1:22
